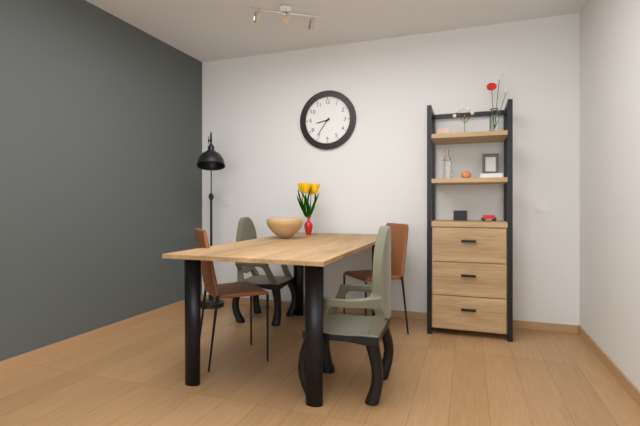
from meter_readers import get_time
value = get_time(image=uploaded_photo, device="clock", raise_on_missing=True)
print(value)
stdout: 8:36
